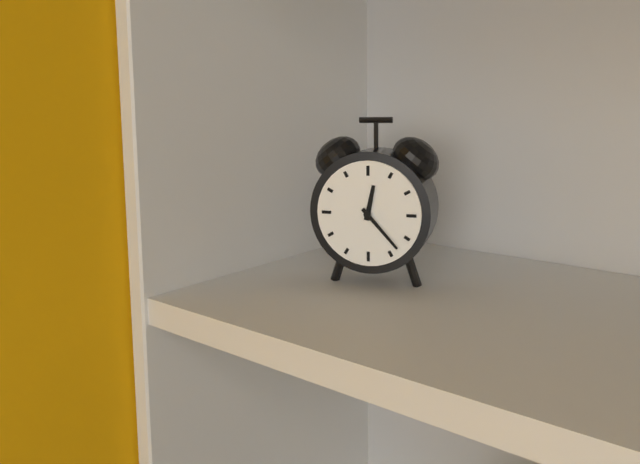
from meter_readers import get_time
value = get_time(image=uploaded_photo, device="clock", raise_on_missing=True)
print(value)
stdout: 12:23
